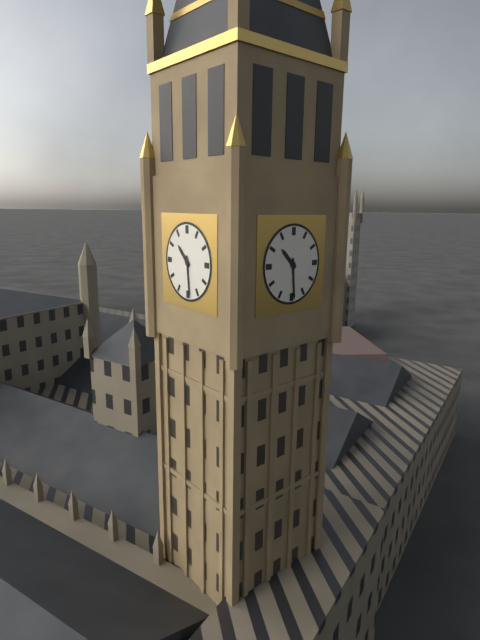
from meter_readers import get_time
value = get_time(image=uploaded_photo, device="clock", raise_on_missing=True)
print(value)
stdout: 10:29
